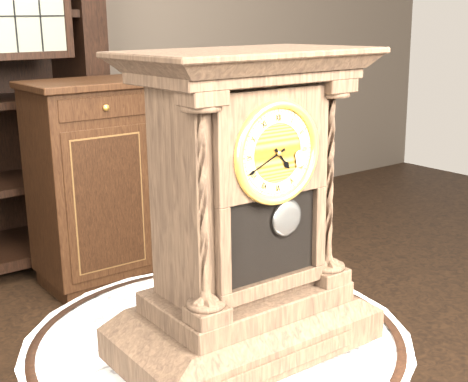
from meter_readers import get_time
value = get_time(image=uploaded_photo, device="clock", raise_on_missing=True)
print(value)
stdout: 4:41
